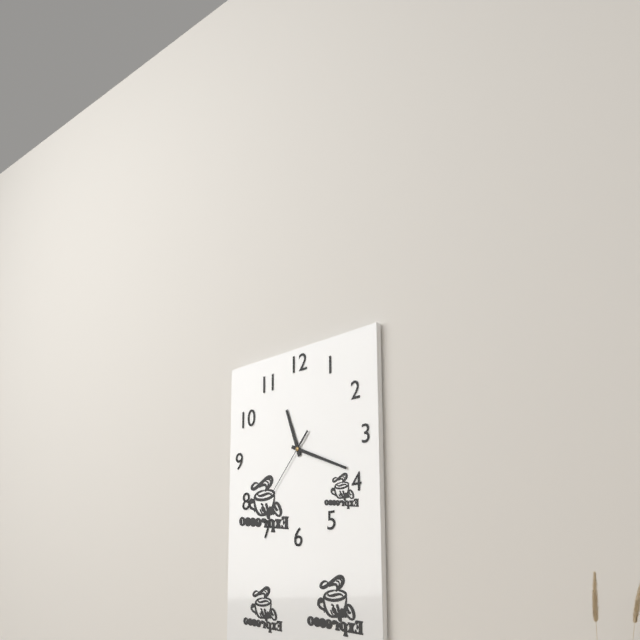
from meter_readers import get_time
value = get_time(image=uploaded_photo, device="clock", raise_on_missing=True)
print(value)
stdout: 11:19:37
